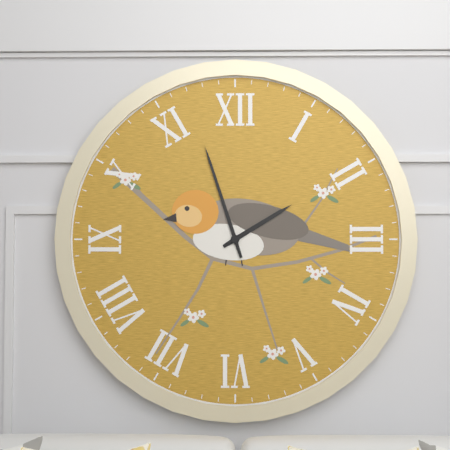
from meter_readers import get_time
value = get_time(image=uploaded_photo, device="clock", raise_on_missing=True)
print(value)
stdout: 1:57
